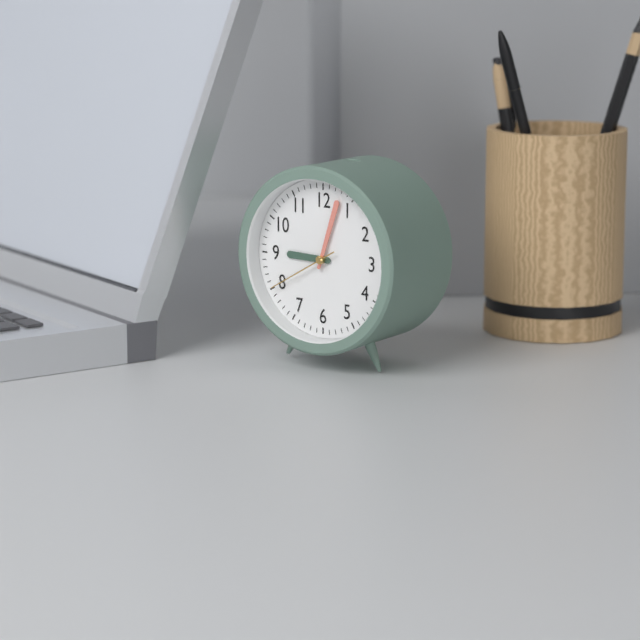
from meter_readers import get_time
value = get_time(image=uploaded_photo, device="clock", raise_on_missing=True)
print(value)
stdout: 9:03:40
